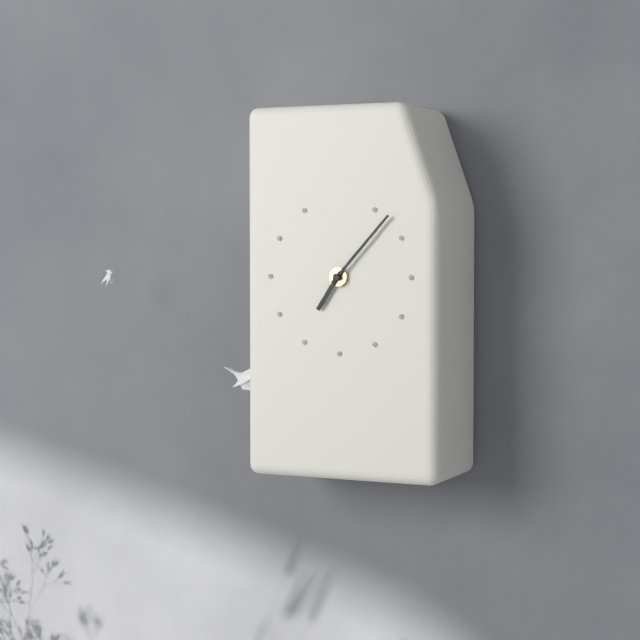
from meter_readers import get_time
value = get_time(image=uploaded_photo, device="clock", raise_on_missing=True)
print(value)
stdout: 7:07
